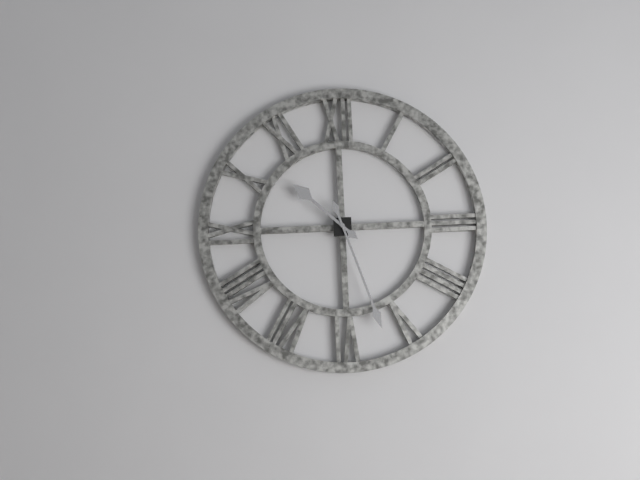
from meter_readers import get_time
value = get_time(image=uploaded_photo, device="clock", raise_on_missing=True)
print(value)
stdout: 10:27
